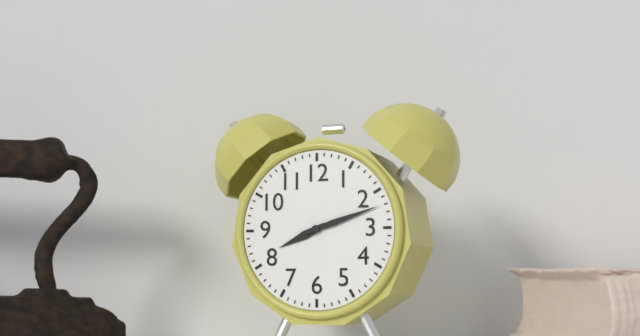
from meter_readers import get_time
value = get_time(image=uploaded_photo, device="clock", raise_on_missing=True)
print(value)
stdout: 8:12
